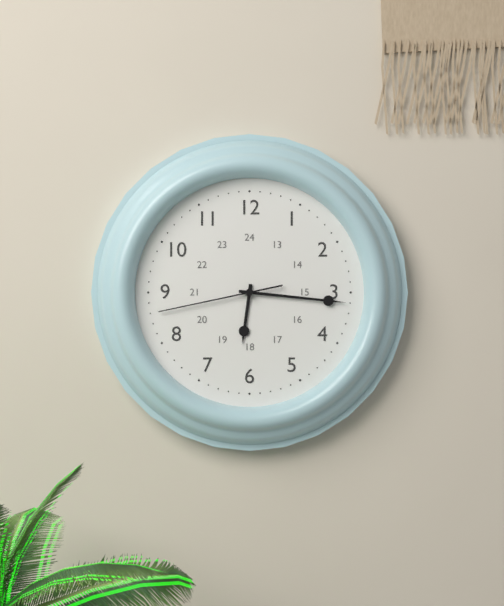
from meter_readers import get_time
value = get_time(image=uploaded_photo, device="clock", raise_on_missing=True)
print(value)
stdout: 6:16:43
